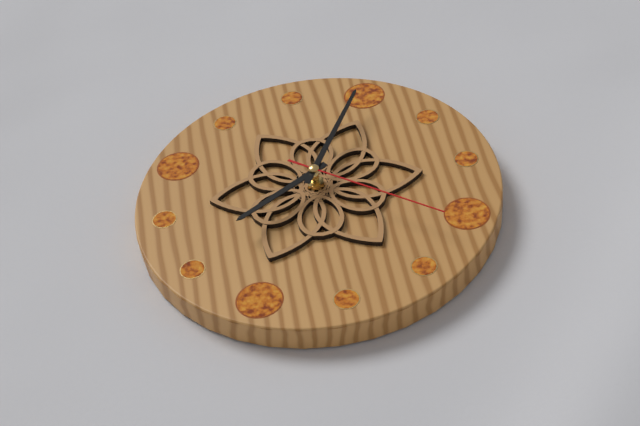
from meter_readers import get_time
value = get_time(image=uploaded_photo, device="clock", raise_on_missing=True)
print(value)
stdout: 7:00:17
